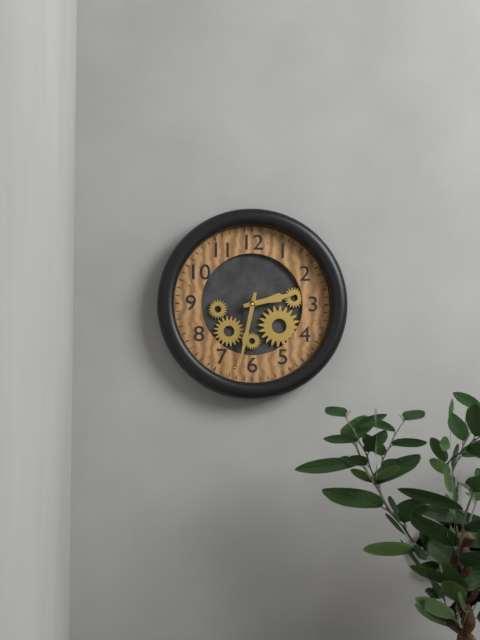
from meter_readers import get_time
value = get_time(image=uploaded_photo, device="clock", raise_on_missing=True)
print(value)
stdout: 2:32
